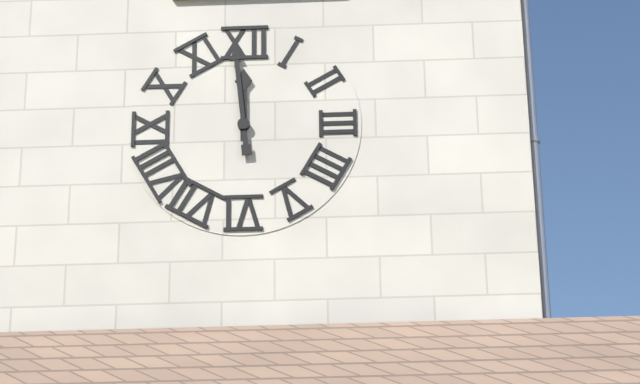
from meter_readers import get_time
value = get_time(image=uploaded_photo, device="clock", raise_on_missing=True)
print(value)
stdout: 11:59
